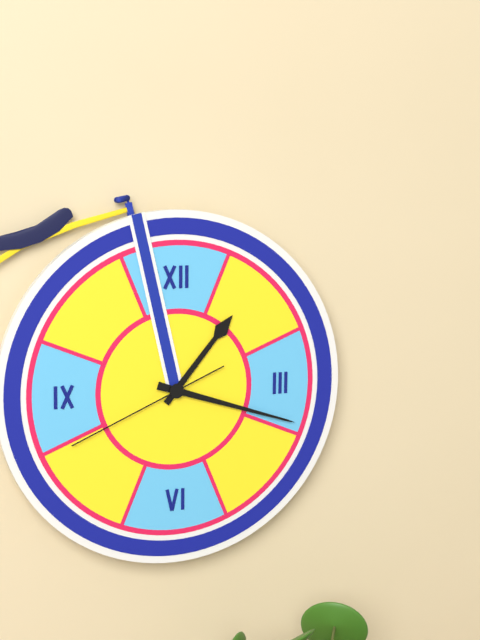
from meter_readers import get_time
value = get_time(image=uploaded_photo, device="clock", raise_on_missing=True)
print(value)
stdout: 1:18:41
